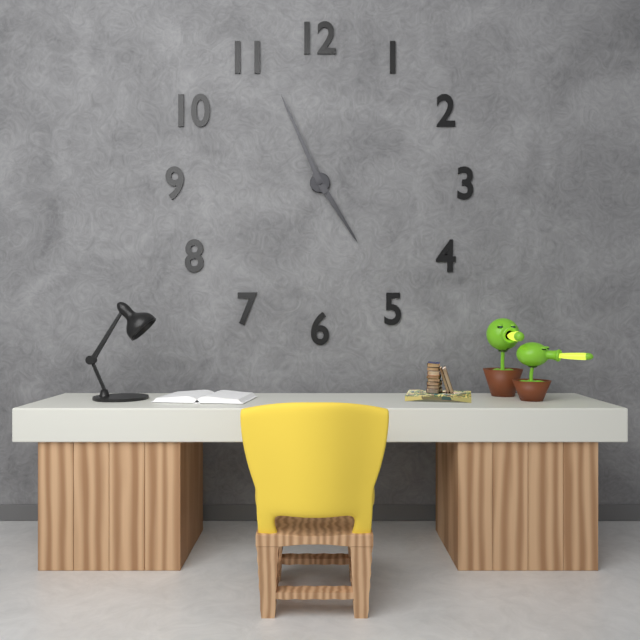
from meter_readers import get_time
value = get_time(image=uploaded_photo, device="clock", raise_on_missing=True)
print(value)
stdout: 4:56
